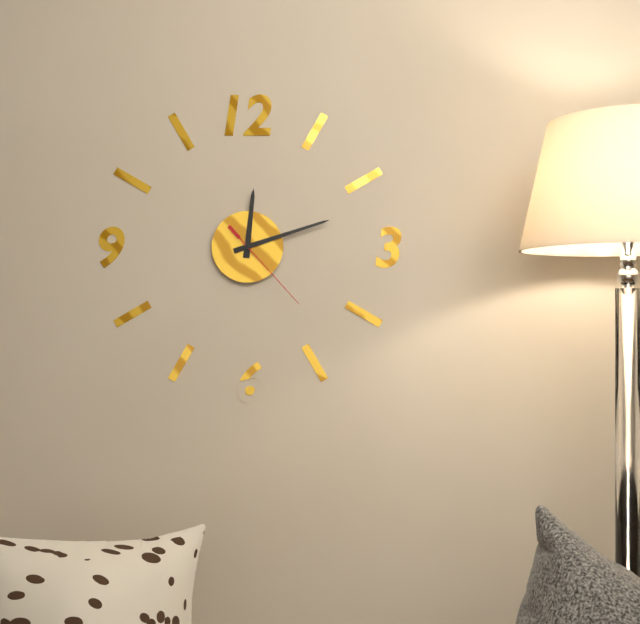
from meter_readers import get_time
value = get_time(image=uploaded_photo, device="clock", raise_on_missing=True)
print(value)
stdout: 12:12:23
